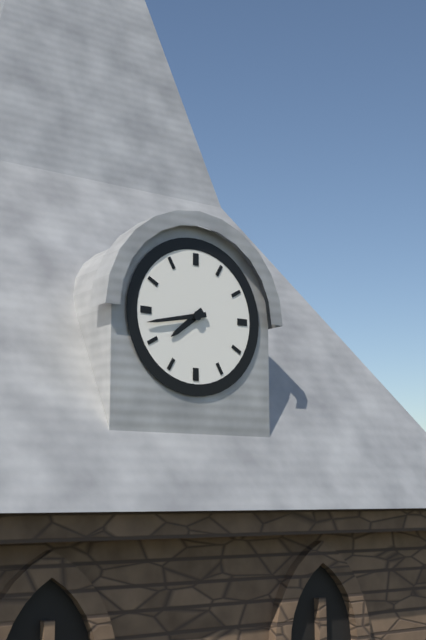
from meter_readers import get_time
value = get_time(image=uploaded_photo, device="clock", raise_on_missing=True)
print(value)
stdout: 7:43
